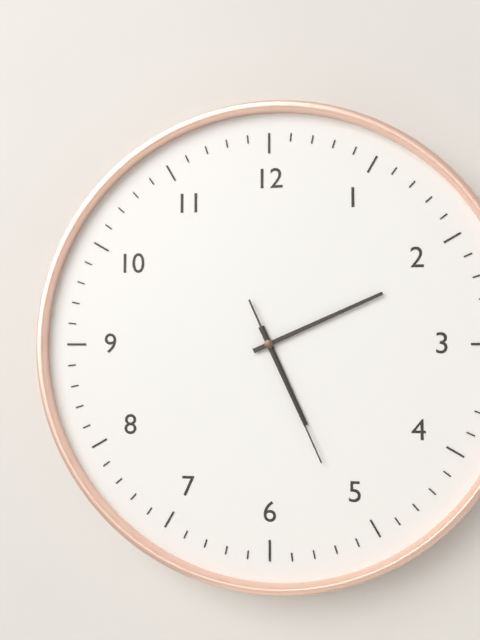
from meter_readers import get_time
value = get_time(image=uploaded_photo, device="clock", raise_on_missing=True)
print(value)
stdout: 5:11:26
